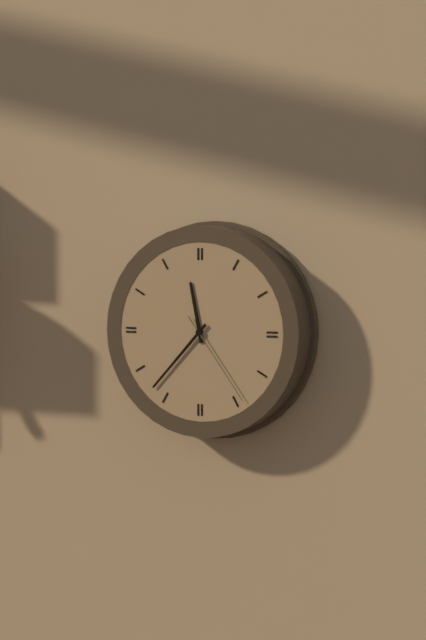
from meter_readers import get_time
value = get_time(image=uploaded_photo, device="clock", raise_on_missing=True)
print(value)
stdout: 11:37:24
